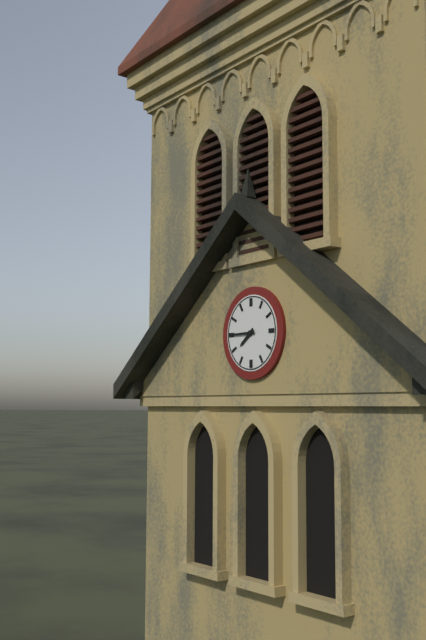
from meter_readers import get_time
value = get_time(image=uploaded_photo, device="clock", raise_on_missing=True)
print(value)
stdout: 7:45
